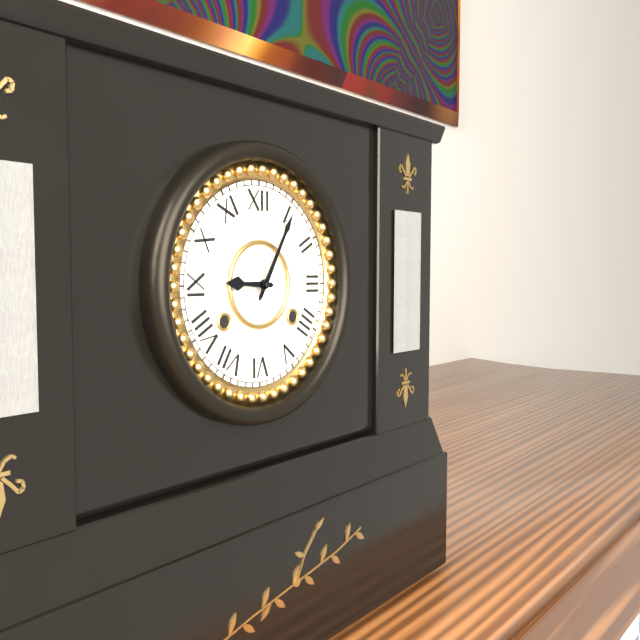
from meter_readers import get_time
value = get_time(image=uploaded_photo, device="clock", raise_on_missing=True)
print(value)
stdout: 9:05
